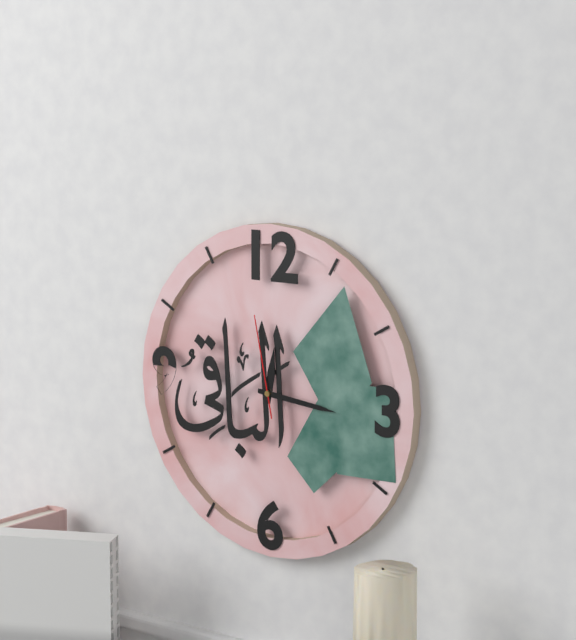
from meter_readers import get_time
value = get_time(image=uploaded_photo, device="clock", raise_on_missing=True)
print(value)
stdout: 12:16:58
